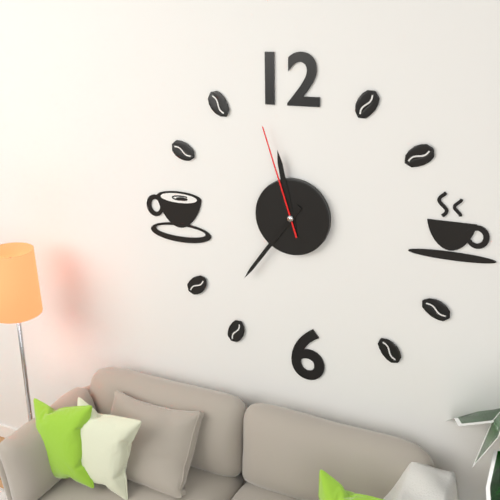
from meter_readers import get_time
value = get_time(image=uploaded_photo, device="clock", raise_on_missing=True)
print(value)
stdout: 11:36:57
